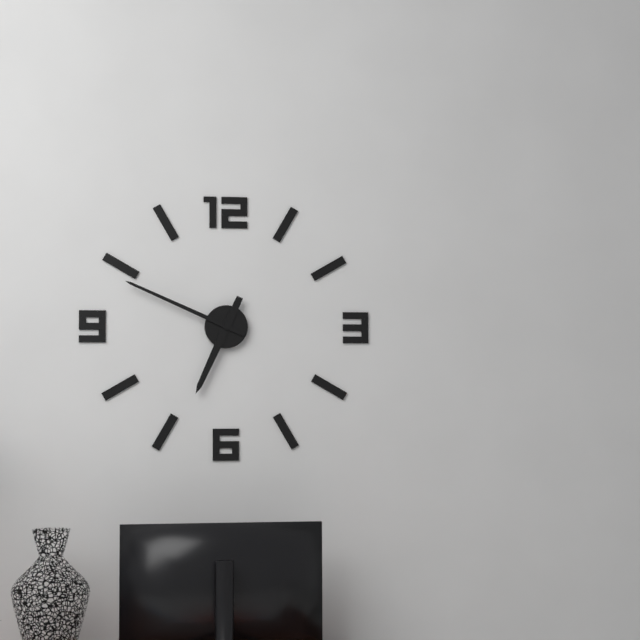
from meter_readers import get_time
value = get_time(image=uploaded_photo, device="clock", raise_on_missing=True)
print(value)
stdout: 6:49
